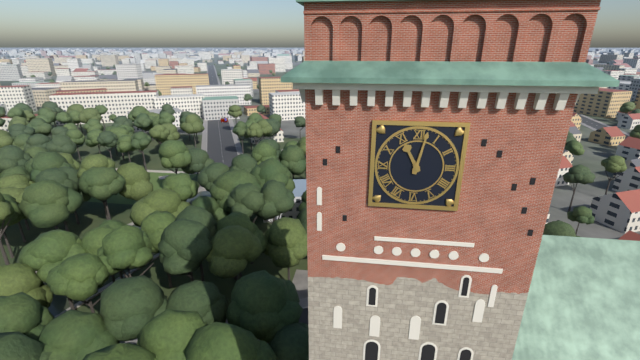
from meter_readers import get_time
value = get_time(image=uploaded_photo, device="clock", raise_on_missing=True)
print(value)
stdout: 11:02
